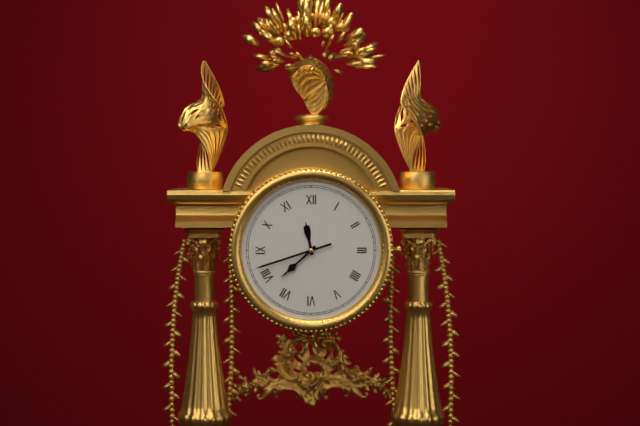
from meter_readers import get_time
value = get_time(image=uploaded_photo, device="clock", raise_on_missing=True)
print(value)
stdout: 11:38:42
